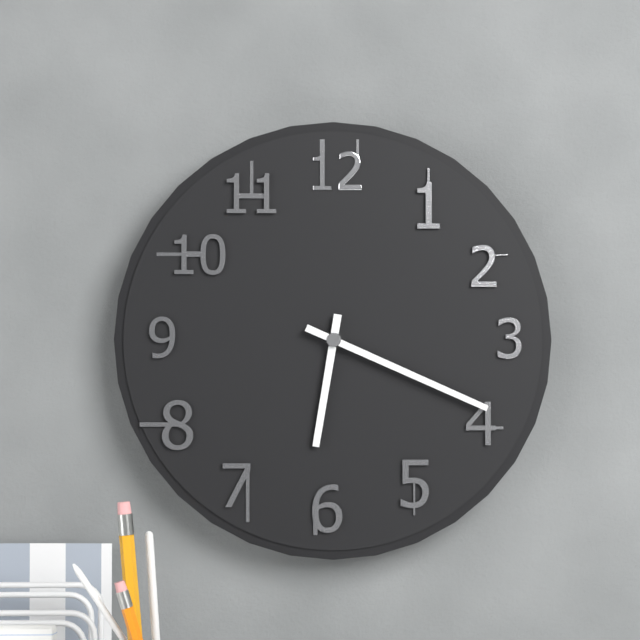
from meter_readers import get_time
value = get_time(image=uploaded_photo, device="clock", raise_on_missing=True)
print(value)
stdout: 6:19
